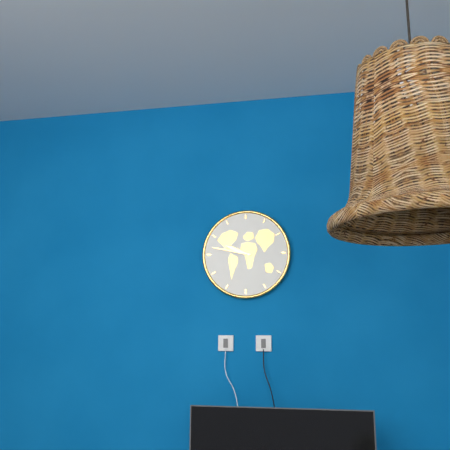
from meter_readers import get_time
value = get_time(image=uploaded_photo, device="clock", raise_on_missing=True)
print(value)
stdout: 9:47
